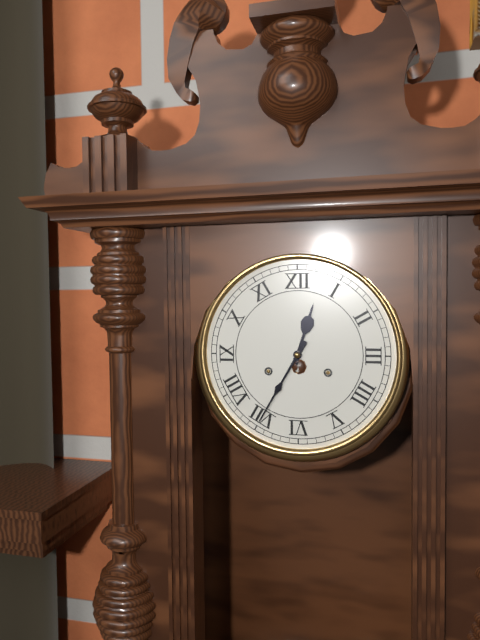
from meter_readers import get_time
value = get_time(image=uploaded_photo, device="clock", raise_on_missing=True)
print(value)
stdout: 12:35
